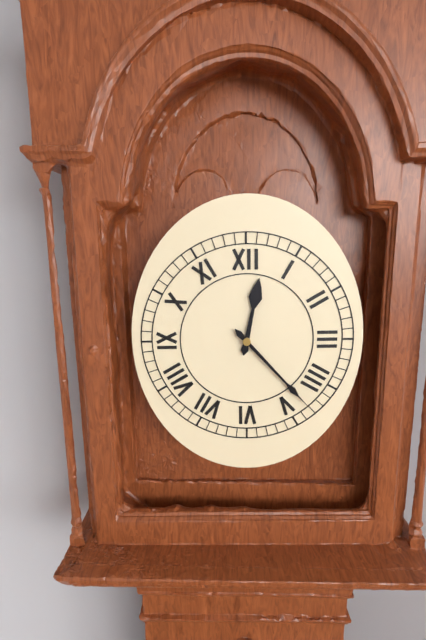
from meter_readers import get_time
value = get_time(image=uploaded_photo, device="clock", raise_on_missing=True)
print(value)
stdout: 12:23
